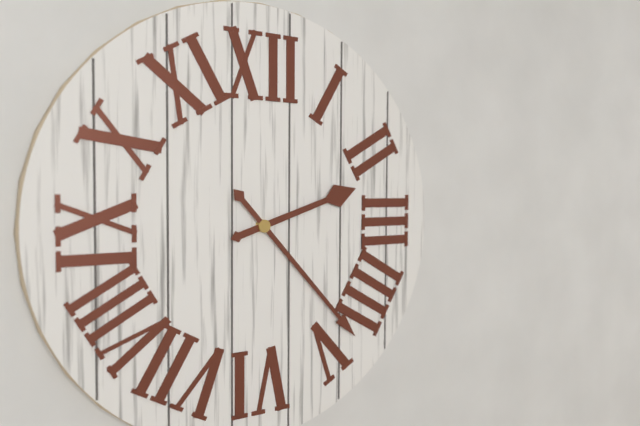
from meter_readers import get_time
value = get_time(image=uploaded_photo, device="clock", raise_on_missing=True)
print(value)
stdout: 2:23
